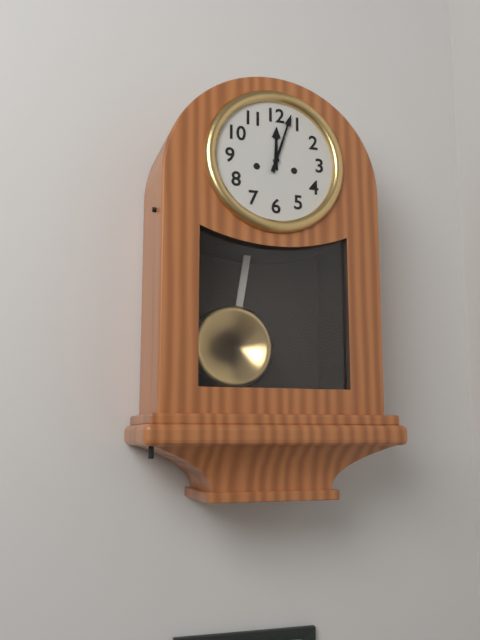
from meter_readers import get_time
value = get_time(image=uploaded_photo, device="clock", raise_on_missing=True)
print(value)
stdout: 12:03
